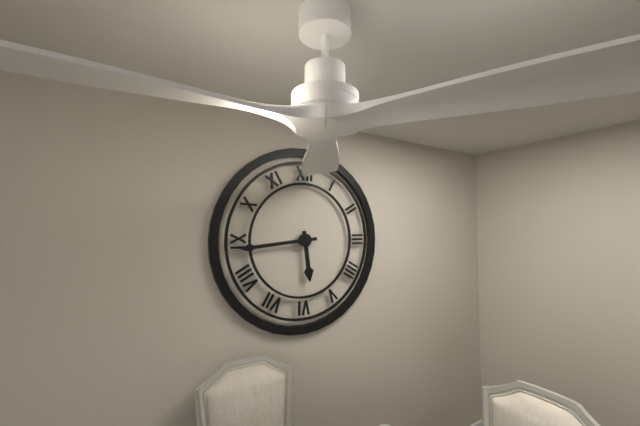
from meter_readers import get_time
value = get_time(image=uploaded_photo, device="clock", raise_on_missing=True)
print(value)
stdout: 5:44
